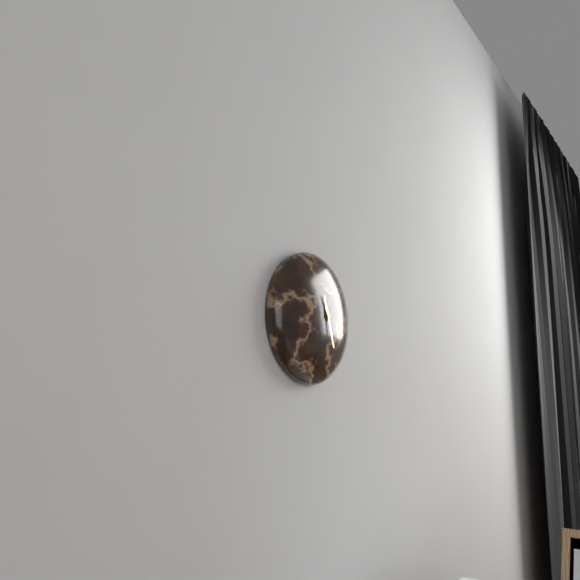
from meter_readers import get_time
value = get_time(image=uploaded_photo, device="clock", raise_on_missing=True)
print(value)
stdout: 11:27
